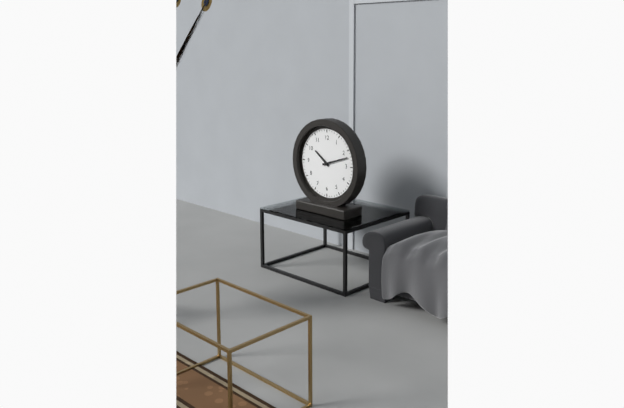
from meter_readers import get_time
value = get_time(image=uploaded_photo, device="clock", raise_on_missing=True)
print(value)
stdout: 10:12
